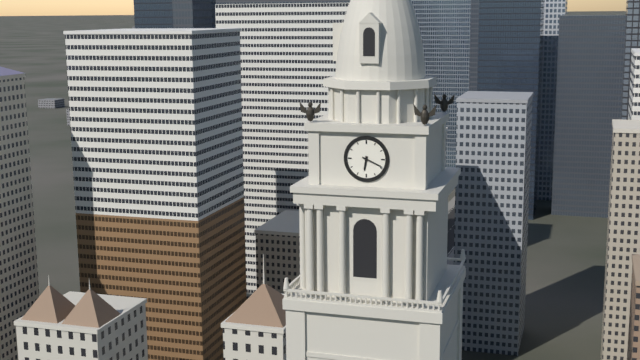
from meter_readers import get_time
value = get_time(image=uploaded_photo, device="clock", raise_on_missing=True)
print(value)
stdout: 6:19
